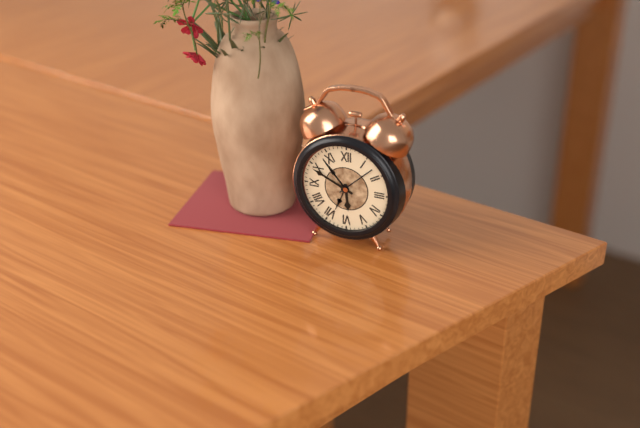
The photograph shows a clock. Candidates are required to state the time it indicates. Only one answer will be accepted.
5:49
